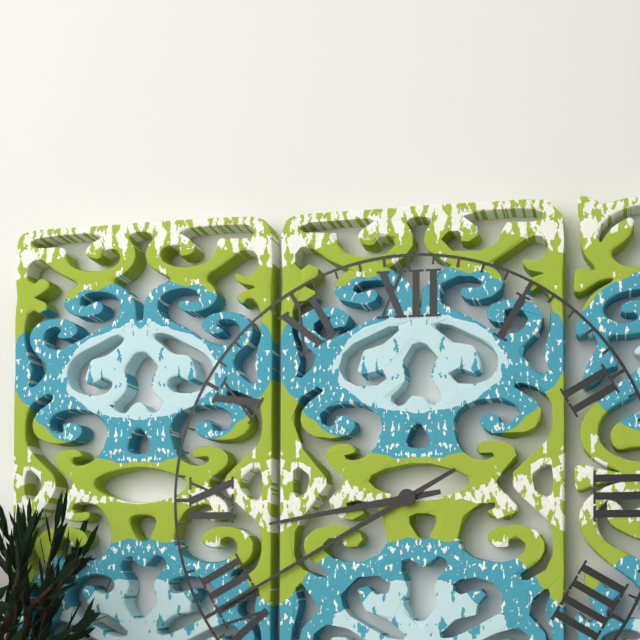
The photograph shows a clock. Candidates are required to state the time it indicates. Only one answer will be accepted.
8:40
